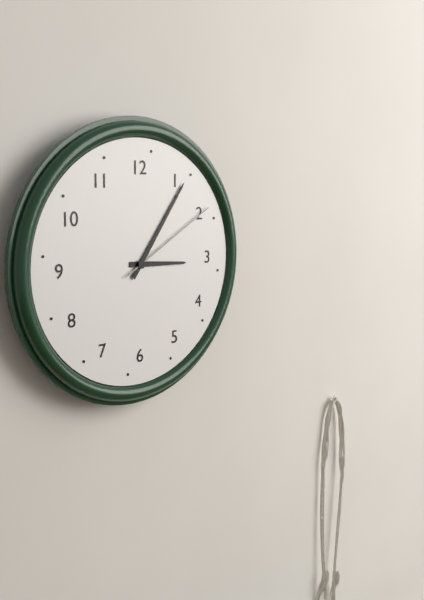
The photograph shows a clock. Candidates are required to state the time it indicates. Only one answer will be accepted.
3:06:10
